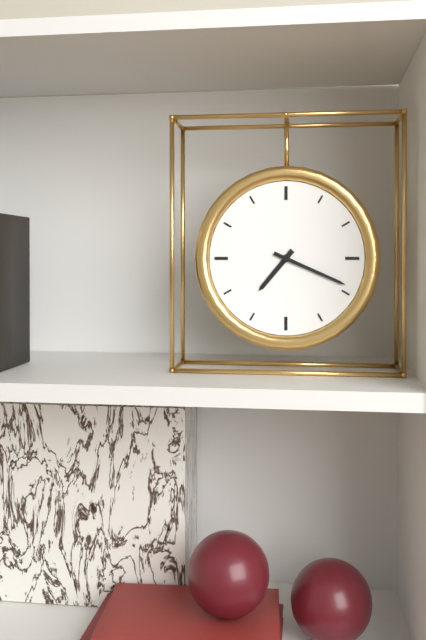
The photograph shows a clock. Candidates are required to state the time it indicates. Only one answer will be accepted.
7:19
